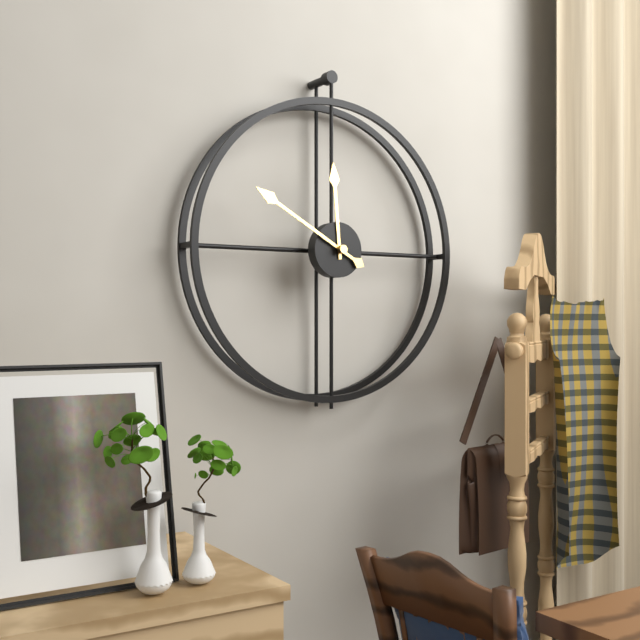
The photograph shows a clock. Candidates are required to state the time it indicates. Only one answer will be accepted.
11:50
